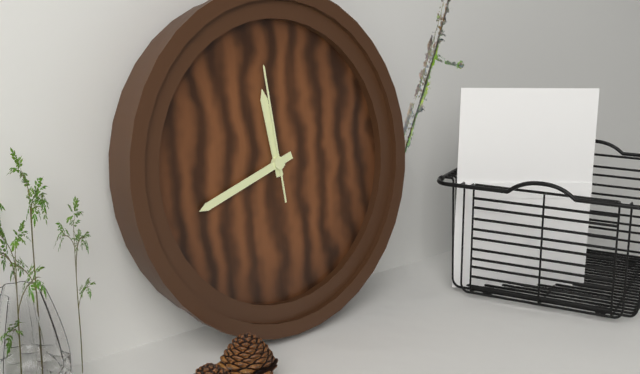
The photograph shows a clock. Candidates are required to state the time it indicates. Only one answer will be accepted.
11:42:59
